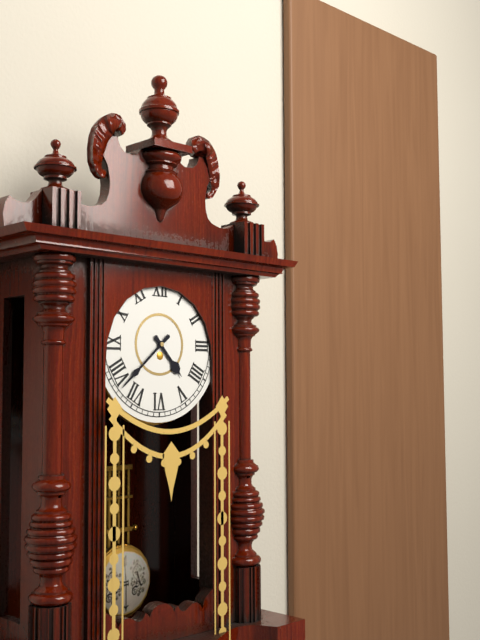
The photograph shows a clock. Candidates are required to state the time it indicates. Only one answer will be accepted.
4:38
